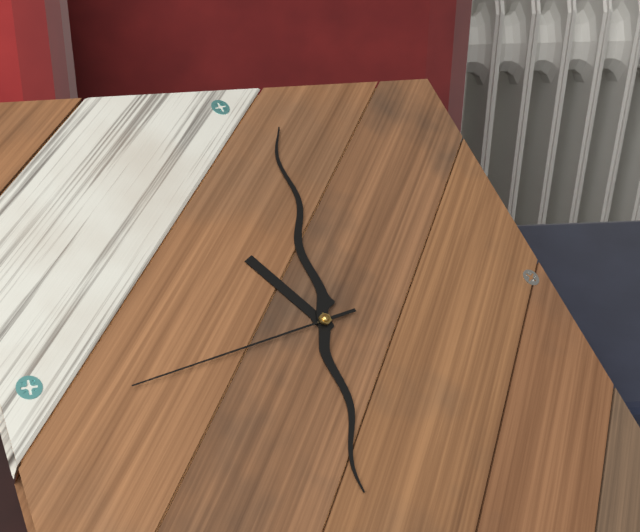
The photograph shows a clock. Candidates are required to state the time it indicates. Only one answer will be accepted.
11:02:44
